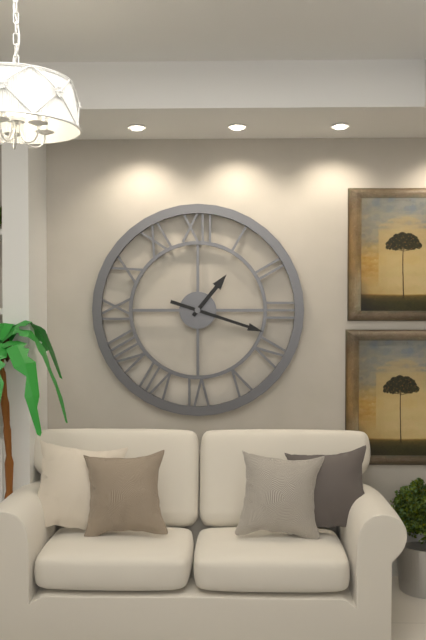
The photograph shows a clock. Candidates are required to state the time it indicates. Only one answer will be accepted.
1:18
